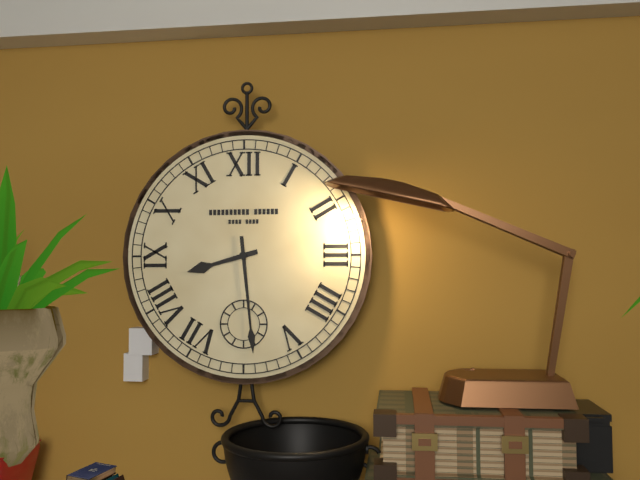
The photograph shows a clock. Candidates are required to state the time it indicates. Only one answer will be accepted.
8:29
